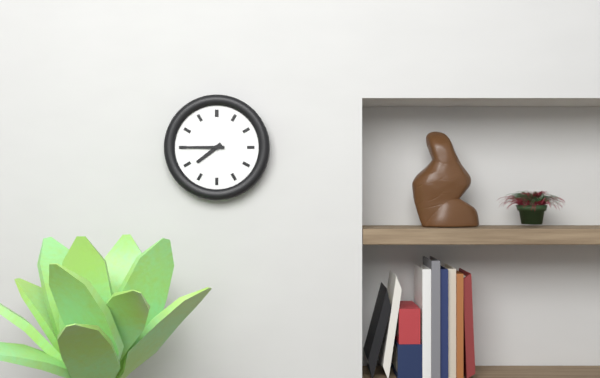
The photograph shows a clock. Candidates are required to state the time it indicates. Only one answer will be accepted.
7:45
